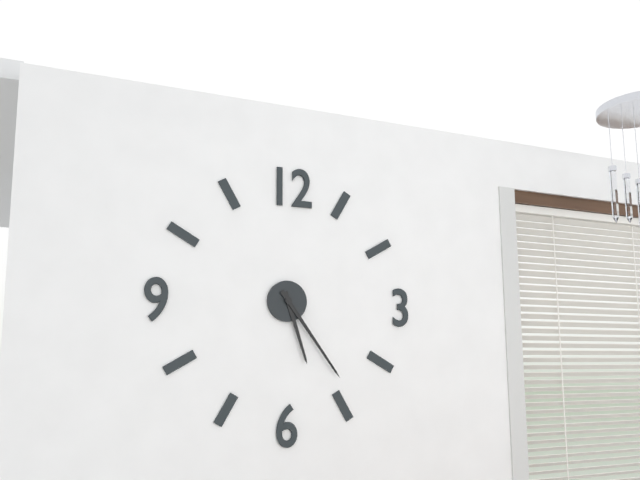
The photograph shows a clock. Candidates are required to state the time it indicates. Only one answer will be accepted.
5:24
